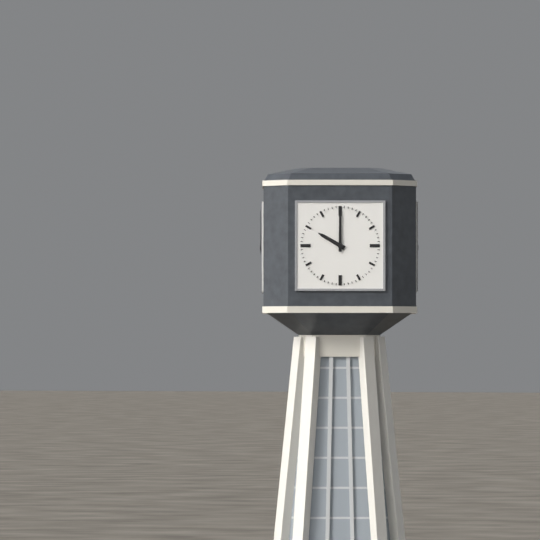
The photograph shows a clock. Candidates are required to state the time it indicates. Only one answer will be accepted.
10:00
